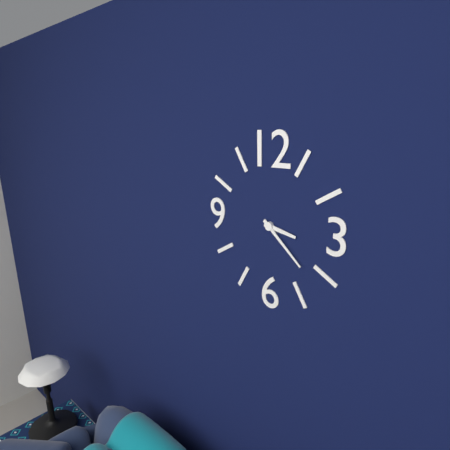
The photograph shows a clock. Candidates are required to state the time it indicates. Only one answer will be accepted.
3:22
